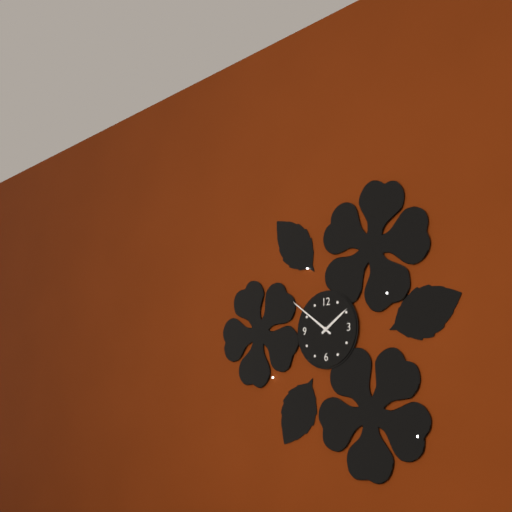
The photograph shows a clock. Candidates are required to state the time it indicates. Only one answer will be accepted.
1:51
